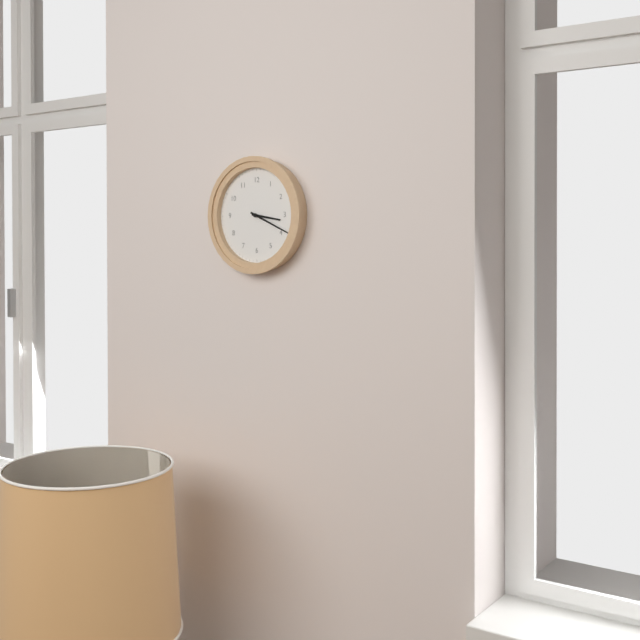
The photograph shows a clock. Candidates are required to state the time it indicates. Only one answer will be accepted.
3:19
